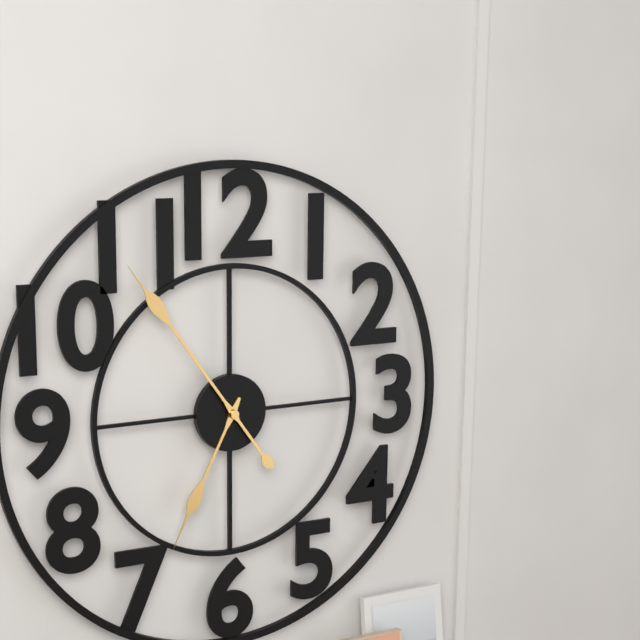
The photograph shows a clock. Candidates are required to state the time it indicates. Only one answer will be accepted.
6:54
